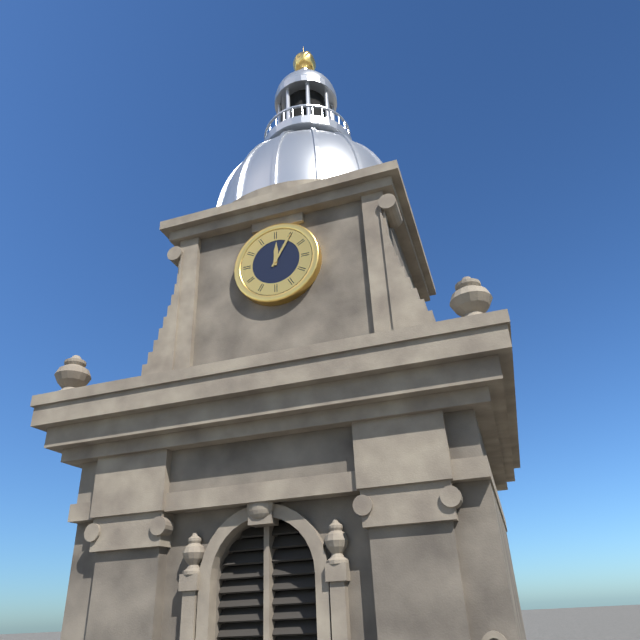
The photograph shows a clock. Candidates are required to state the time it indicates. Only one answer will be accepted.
12:05
